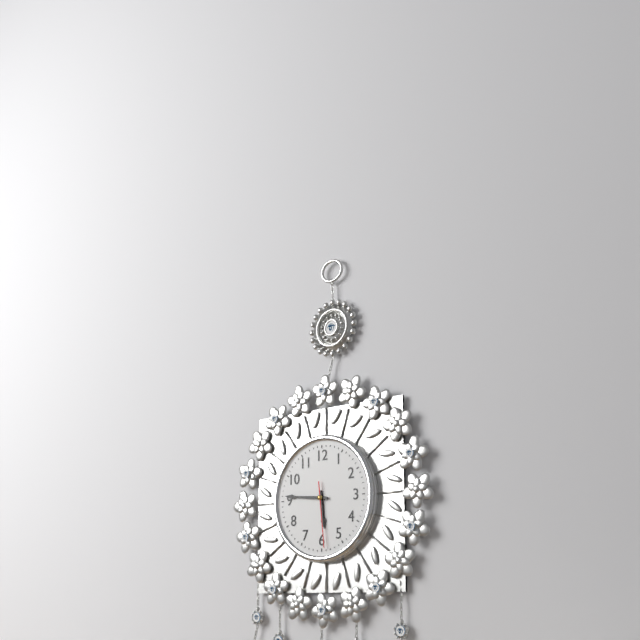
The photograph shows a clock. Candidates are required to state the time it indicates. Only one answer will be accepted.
5:46:29
